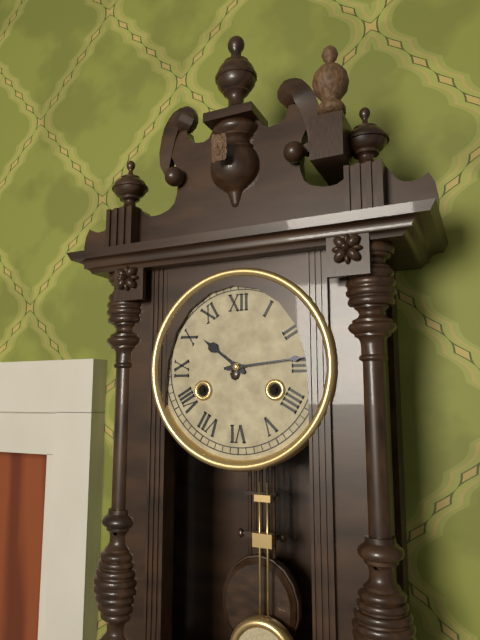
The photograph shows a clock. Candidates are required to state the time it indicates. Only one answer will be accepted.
10:14
